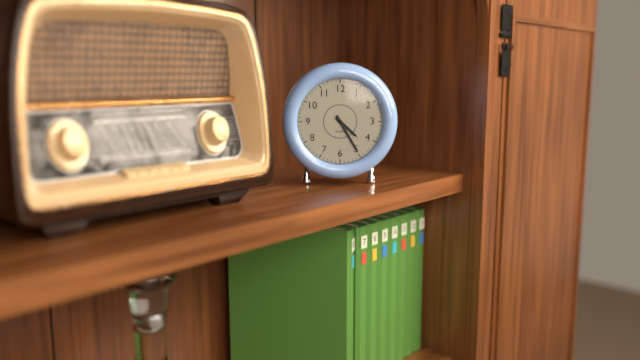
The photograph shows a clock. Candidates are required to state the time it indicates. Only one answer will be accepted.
4:25
